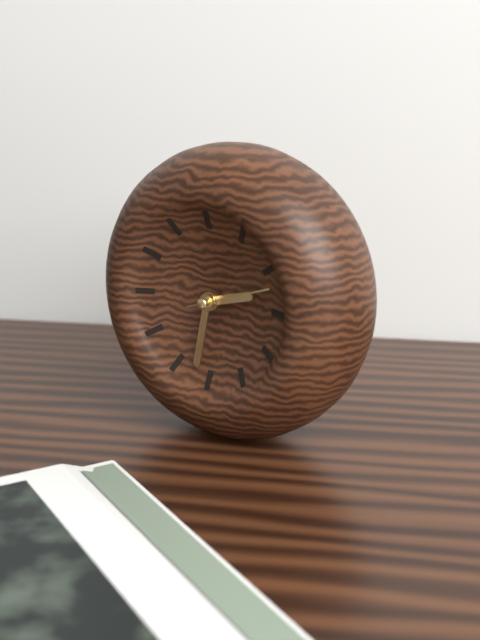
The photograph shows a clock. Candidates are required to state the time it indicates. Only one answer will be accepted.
2:32:12
